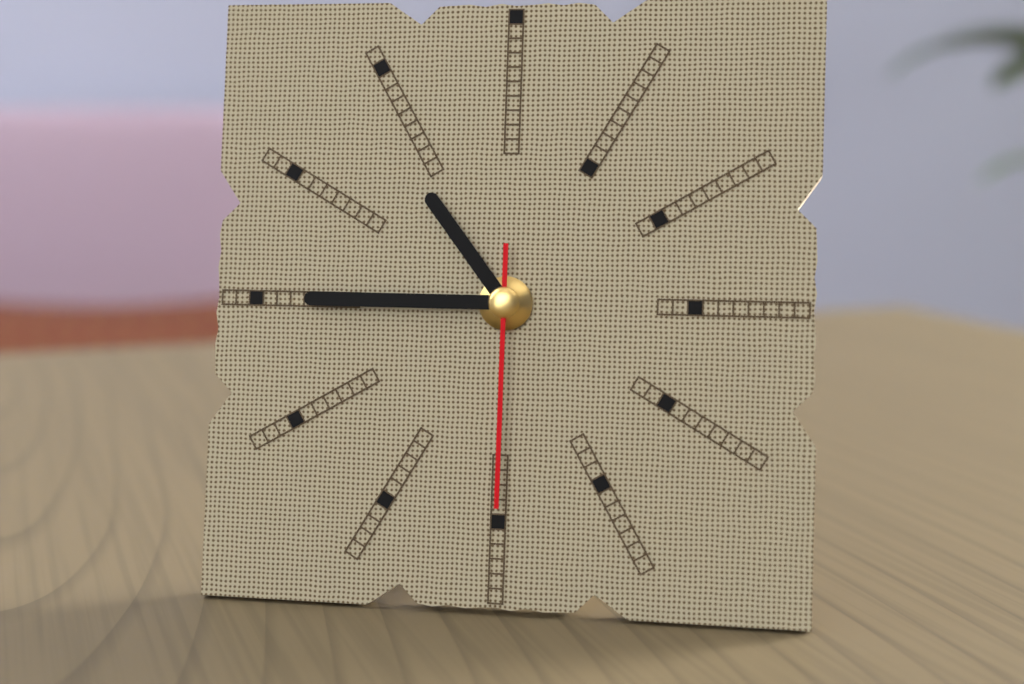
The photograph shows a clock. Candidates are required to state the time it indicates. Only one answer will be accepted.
10:45:30
